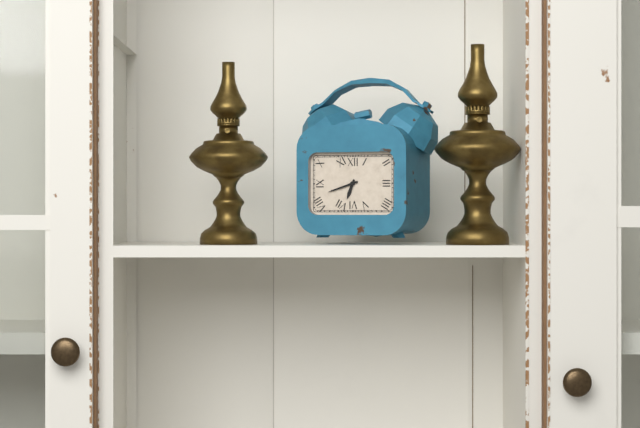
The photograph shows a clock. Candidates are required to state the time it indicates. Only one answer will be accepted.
6:42
